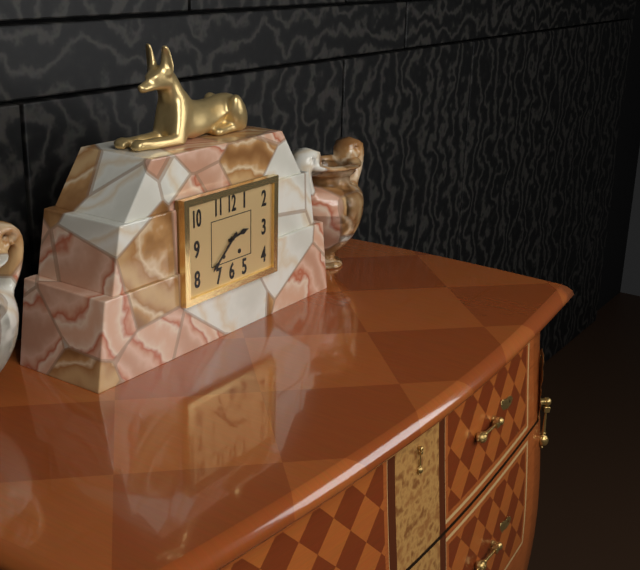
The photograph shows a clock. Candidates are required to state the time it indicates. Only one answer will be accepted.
2:38
